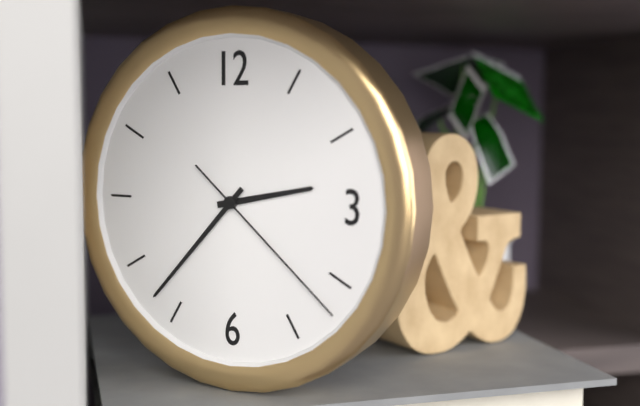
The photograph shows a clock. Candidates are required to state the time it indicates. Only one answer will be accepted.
2:37:22
